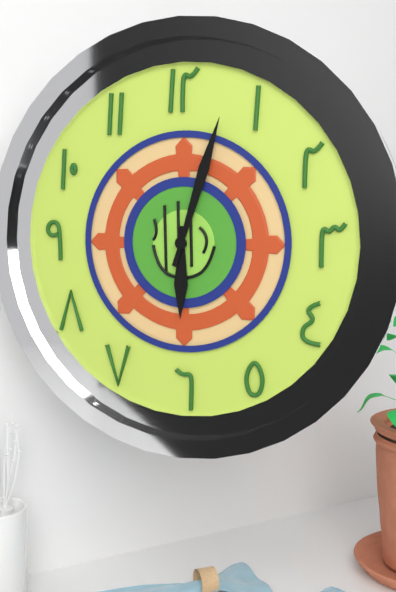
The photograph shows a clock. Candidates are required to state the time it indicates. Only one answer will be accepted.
6:03
